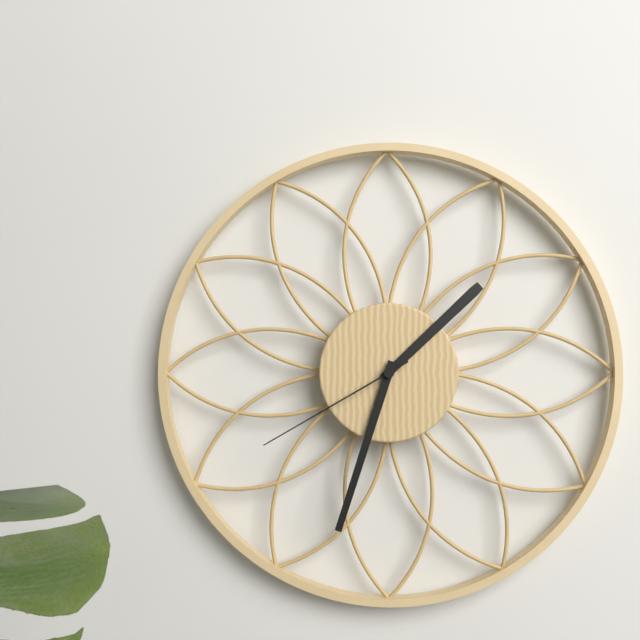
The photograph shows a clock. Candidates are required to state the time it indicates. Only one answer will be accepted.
1:33:40
